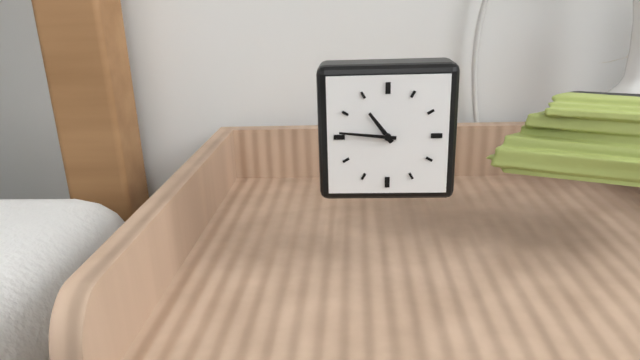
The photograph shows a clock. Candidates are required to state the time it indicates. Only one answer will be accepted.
10:46
